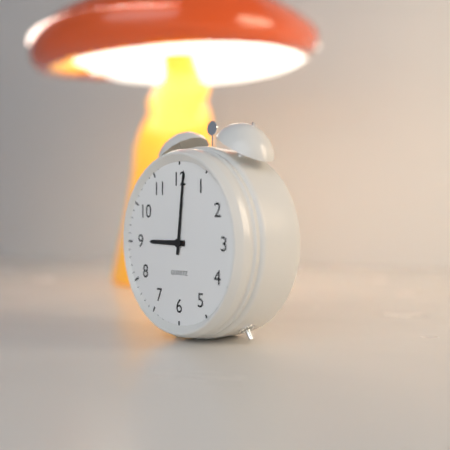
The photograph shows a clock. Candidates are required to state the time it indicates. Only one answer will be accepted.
9:01
